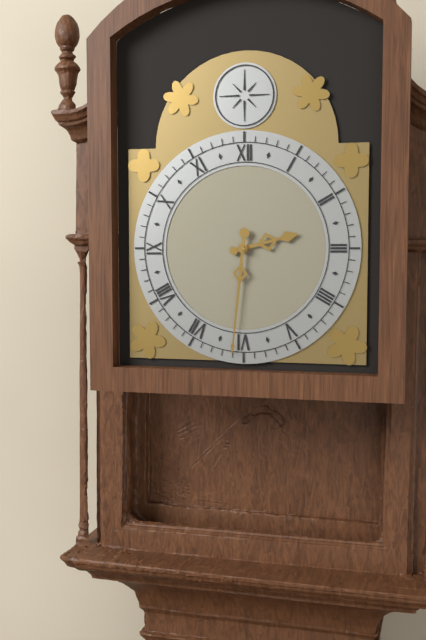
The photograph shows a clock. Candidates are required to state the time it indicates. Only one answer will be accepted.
2:31
